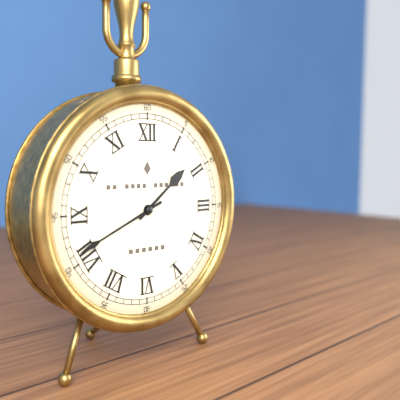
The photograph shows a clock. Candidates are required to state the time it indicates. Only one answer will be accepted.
1:41
